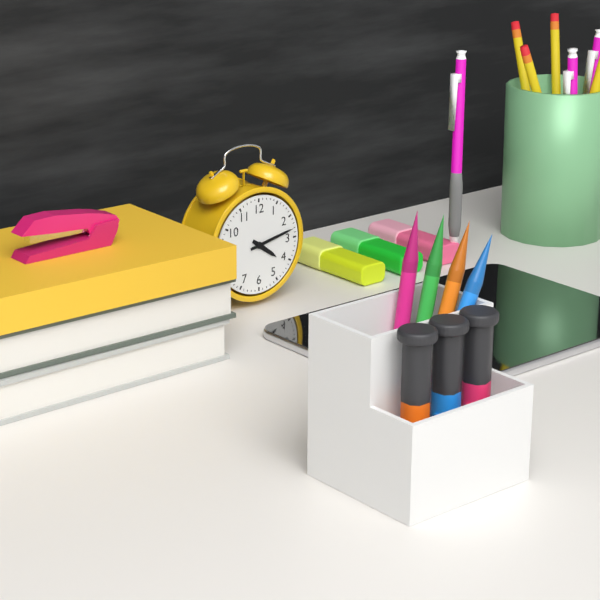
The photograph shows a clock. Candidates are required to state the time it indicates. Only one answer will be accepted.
4:13
